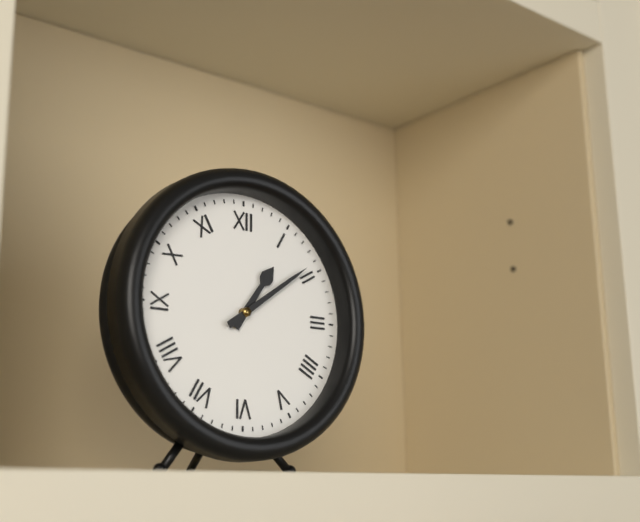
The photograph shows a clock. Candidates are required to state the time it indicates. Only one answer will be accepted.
1:09
